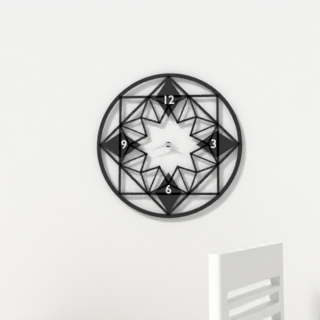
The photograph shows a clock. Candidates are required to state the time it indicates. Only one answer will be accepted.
3:42
